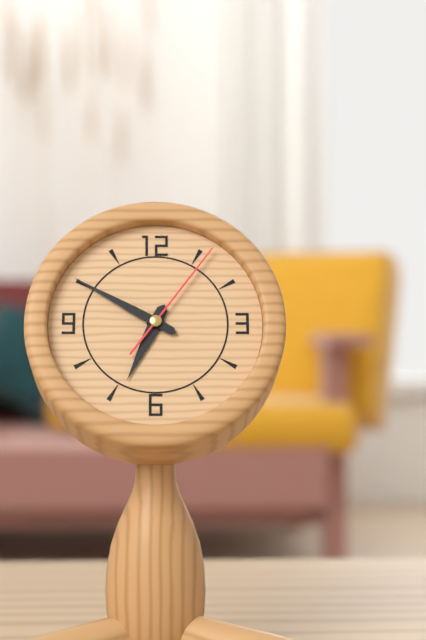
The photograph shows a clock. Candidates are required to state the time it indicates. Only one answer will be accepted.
6:50:06
